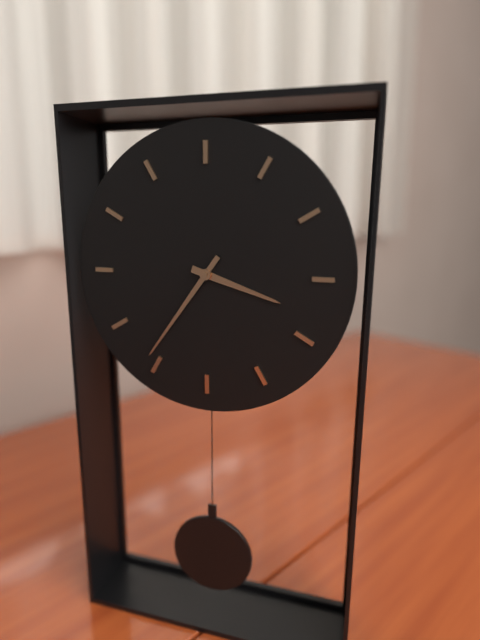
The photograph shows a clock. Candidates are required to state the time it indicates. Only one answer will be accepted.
3:36
